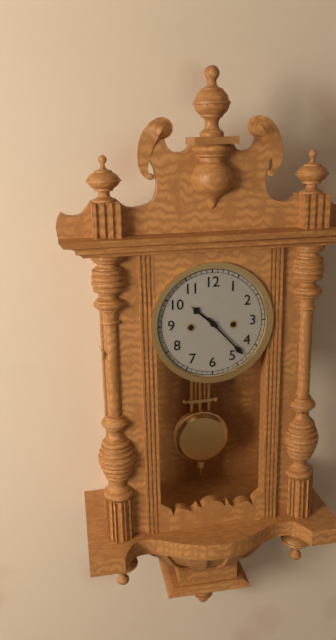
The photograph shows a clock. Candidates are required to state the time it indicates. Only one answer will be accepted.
10:23
